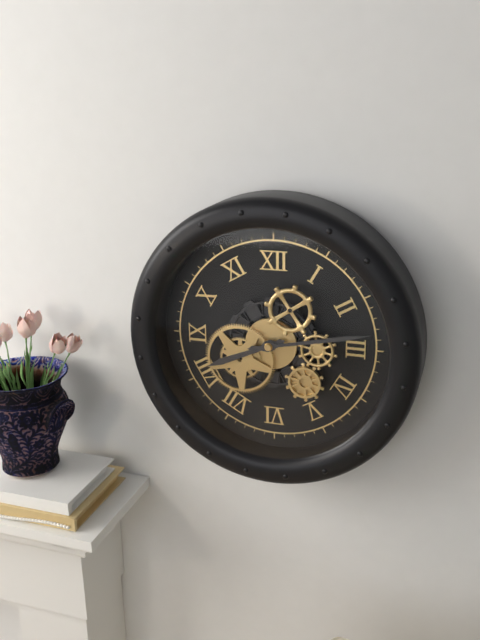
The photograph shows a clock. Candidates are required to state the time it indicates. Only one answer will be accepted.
8:13
